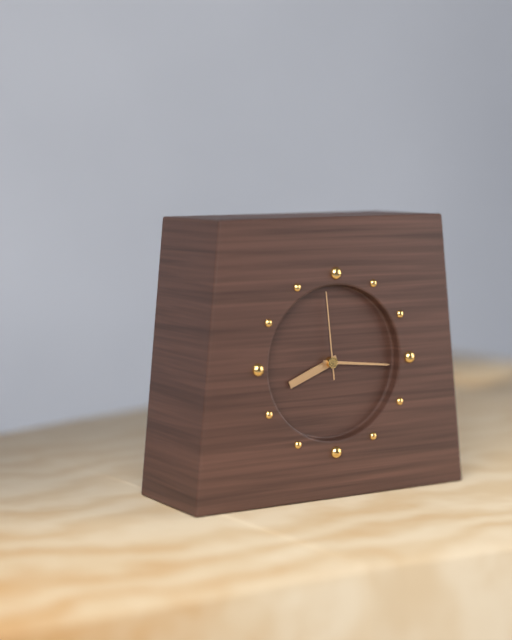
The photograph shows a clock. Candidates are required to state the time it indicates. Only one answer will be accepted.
8:16:59
